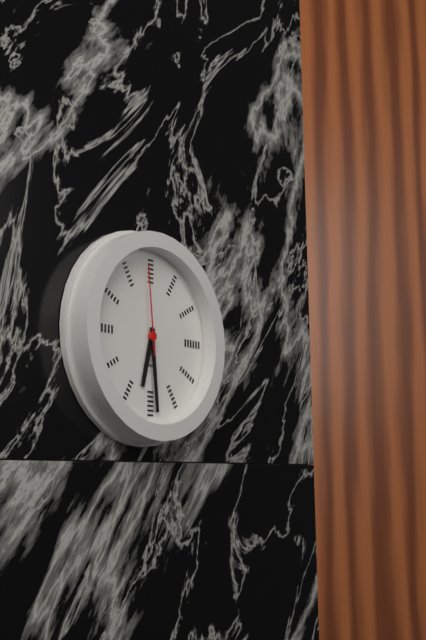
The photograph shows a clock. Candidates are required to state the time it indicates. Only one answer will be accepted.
6:29:59
